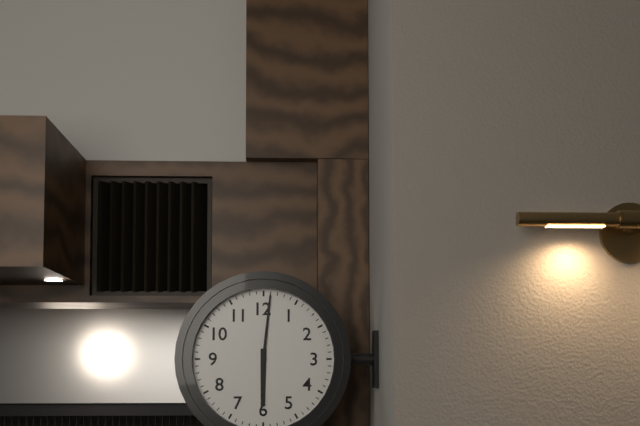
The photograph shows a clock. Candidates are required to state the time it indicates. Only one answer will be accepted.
6:01
